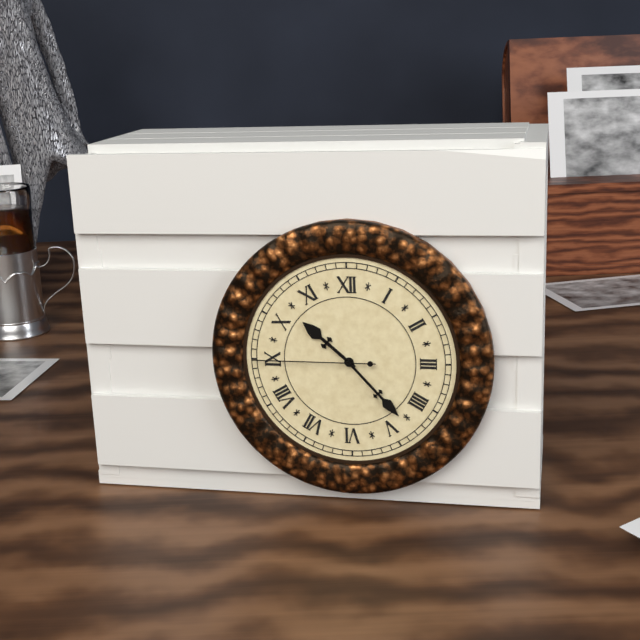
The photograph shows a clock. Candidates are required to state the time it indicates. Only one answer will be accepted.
10:23:45
